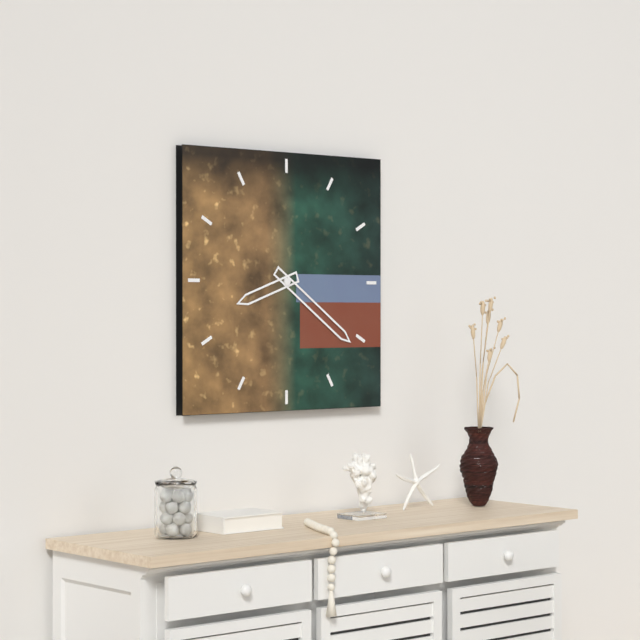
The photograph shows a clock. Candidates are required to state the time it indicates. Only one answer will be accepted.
8:21
